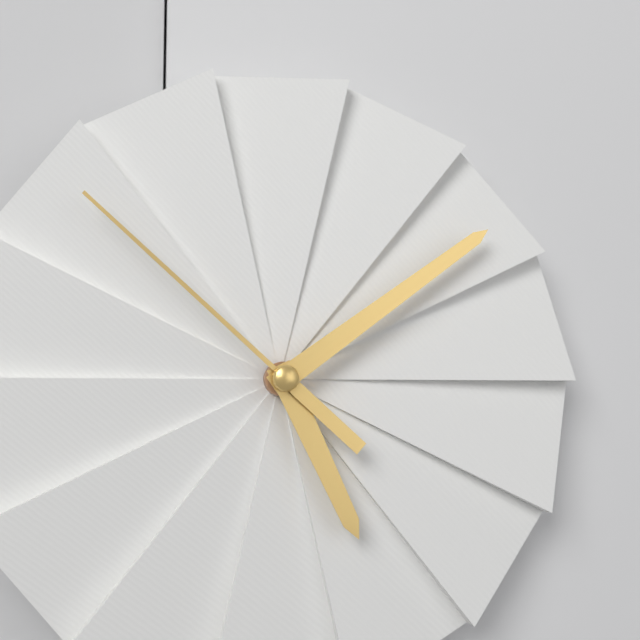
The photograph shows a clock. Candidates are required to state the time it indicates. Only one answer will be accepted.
5:09:52
